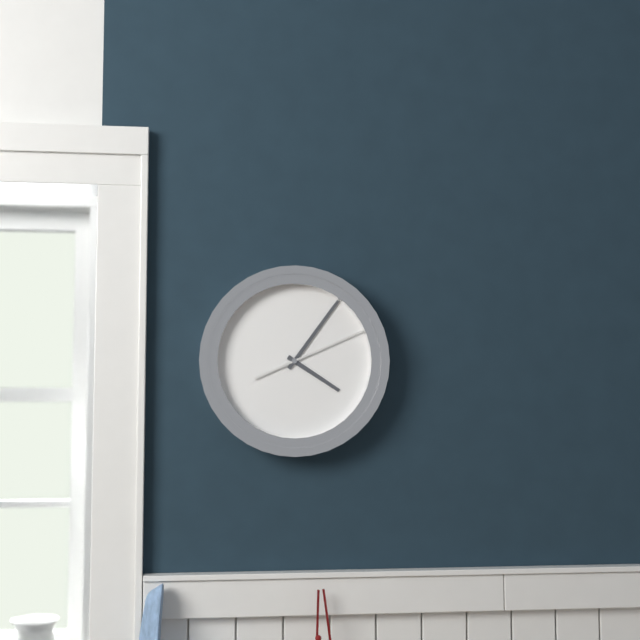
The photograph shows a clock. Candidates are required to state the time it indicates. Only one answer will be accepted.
4:06:11
